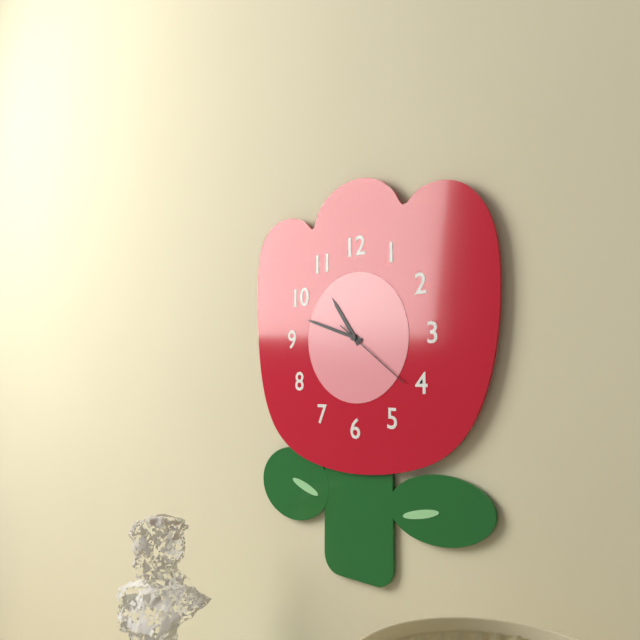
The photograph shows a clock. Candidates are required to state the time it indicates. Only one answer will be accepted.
10:48:21
